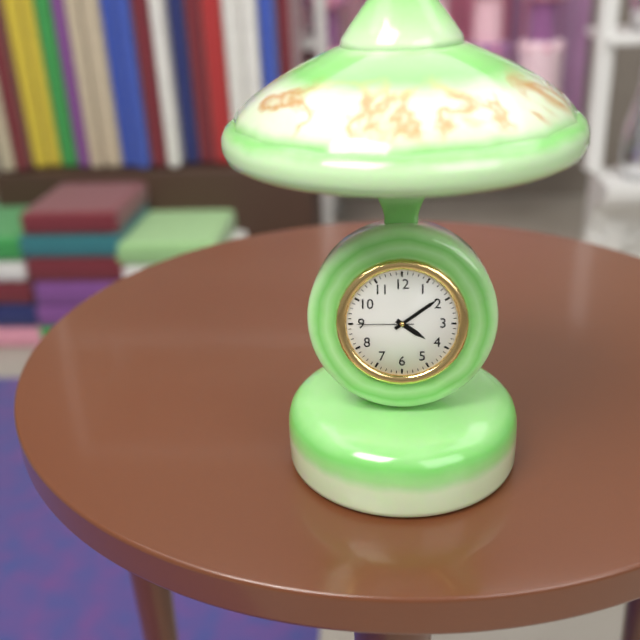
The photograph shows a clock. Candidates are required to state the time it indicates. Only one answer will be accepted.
4:09:45
